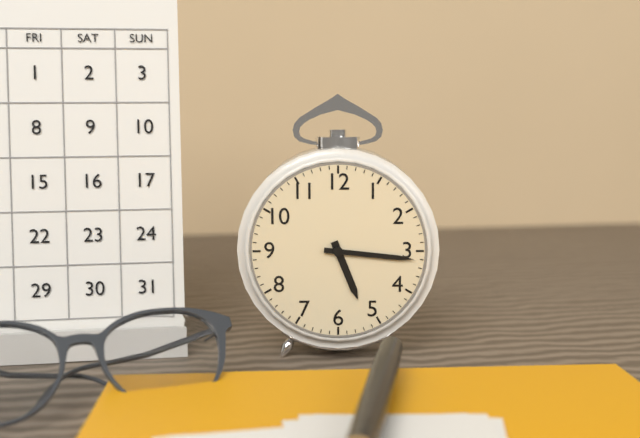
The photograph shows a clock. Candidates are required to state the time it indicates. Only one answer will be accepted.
5:16
